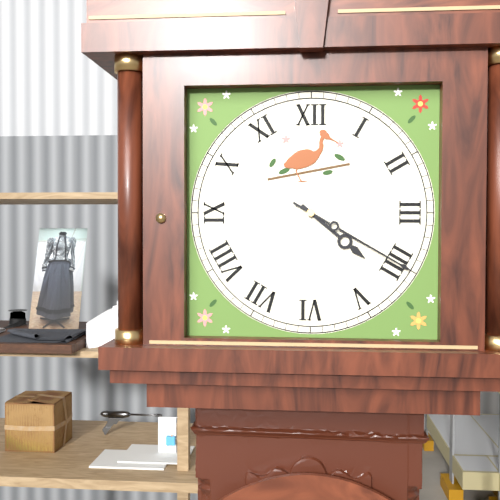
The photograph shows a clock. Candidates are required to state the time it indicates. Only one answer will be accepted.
4:20
